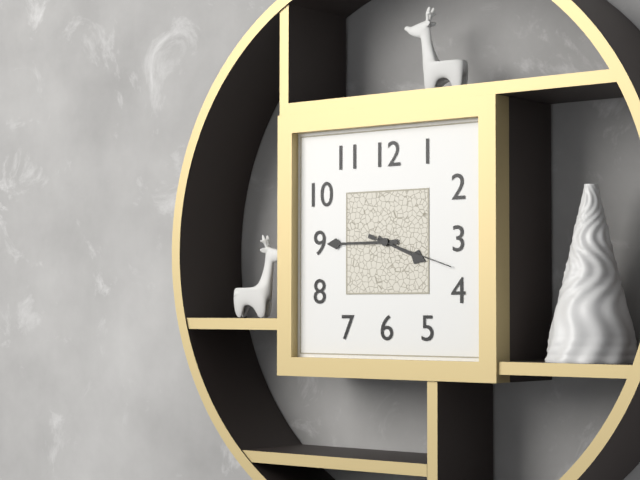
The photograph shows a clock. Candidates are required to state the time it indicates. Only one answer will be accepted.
3:45:18
